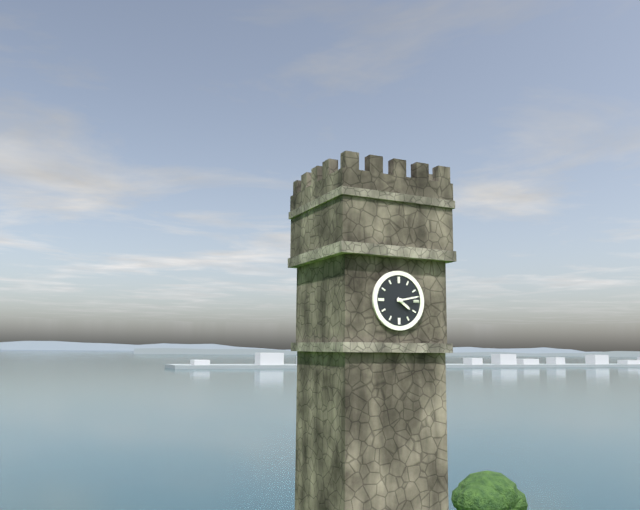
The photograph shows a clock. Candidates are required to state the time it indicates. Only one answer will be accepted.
4:13
